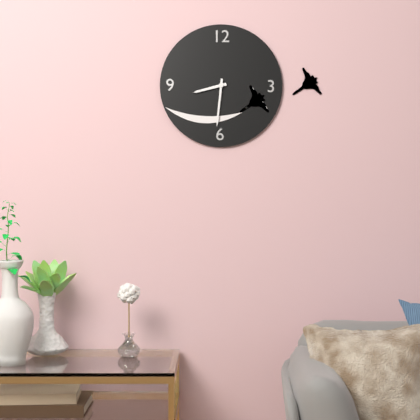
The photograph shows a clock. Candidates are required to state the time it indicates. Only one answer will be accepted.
8:31
